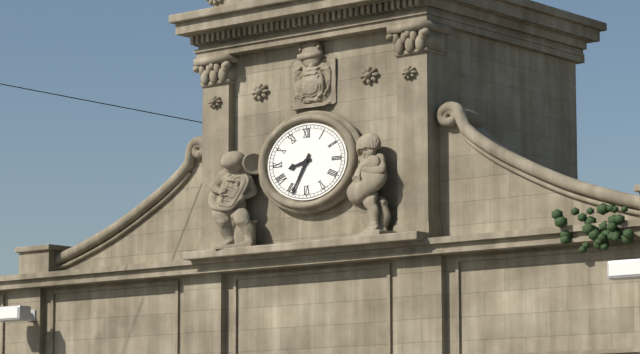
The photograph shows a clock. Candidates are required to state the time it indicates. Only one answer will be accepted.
8:35
